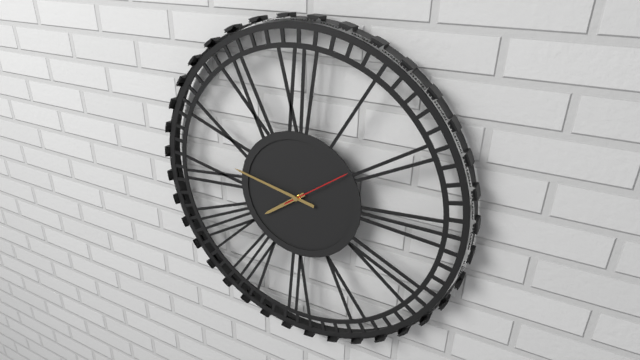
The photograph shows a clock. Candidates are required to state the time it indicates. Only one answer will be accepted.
7:47:09
